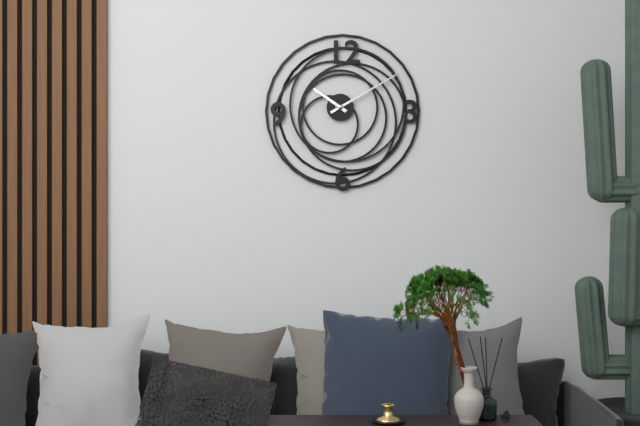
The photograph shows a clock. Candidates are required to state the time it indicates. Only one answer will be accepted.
10:10
